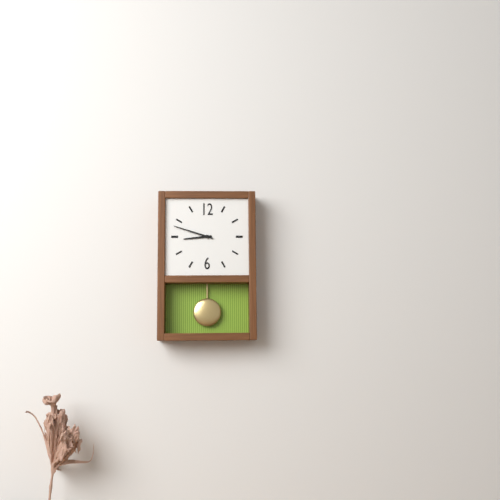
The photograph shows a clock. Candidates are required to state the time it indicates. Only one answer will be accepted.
8:48
